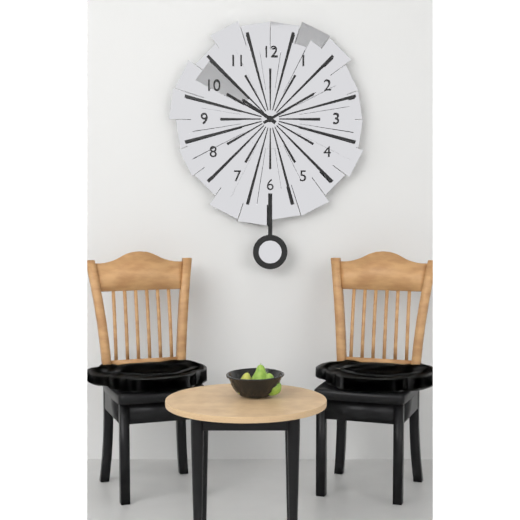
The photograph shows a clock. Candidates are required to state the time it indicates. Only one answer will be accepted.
10:10
